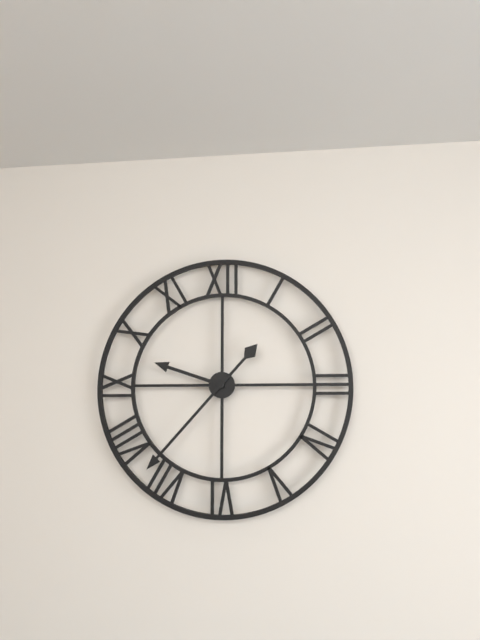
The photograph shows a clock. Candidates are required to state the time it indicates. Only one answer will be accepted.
9:37
